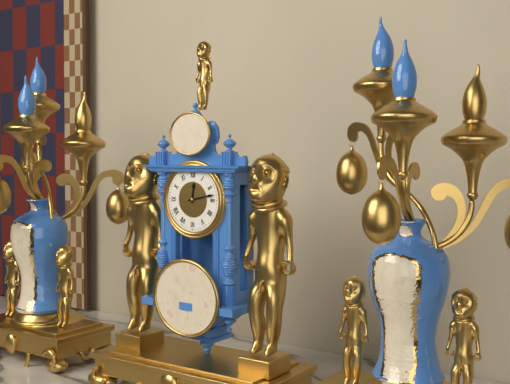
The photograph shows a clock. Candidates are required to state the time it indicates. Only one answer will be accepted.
12:13
